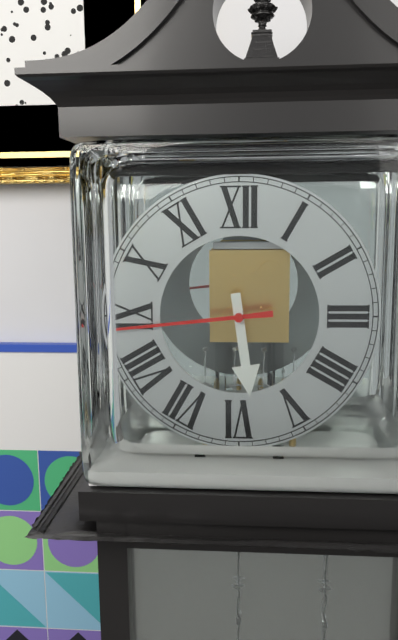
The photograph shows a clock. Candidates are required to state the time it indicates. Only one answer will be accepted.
5:44
